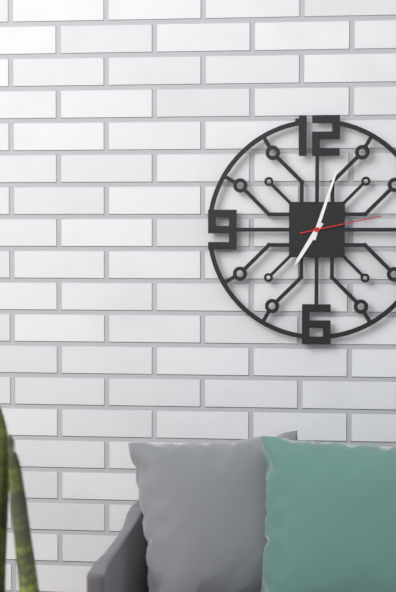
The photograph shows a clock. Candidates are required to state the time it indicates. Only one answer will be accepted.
7:03:13
